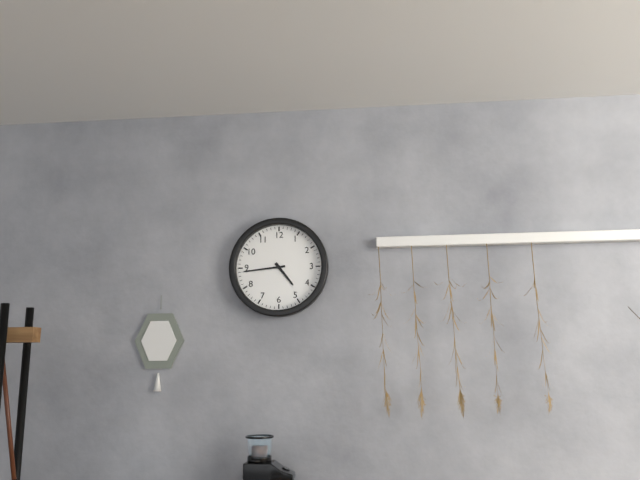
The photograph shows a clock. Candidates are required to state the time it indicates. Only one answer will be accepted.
4:44
